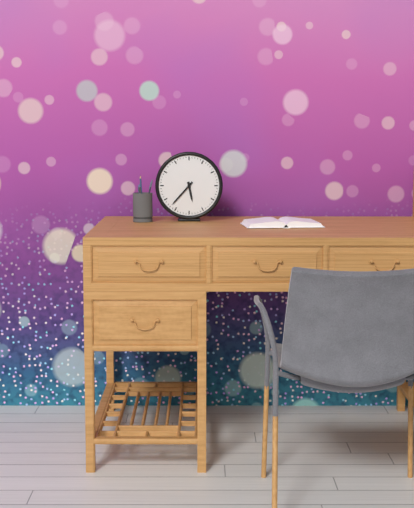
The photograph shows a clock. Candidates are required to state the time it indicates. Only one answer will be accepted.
5:37
